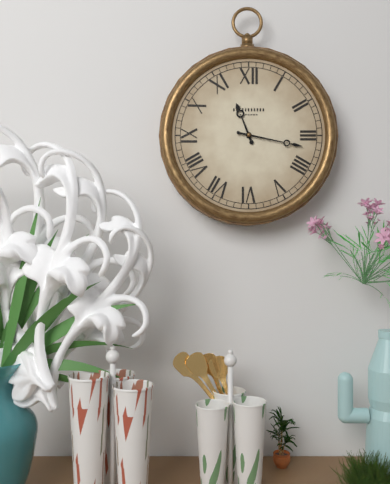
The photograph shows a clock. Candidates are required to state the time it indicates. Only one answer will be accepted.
11:17
